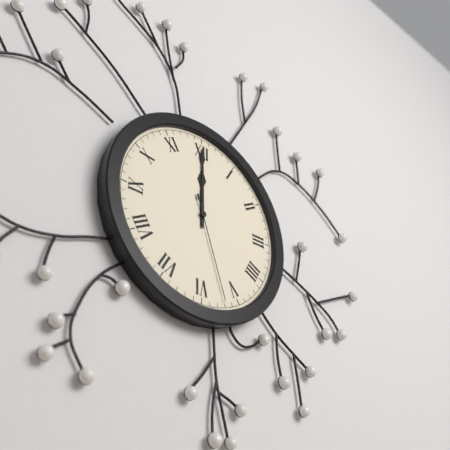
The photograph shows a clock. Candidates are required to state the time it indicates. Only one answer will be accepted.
12:00:27
